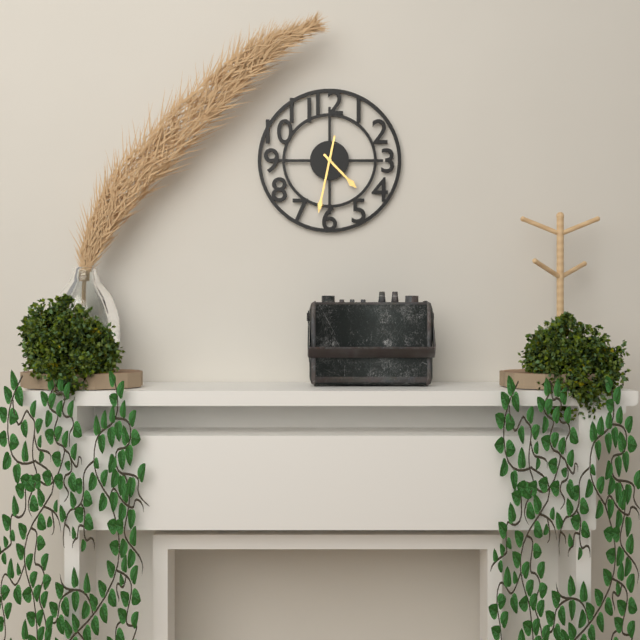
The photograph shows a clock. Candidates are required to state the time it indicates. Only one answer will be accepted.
4:32
